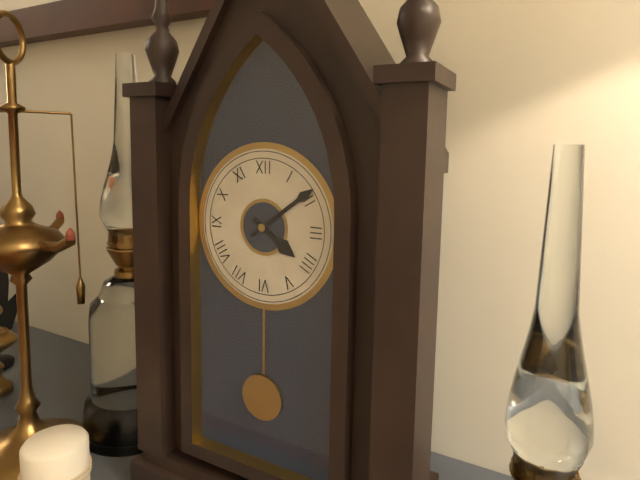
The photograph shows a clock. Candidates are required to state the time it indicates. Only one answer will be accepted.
4:09
